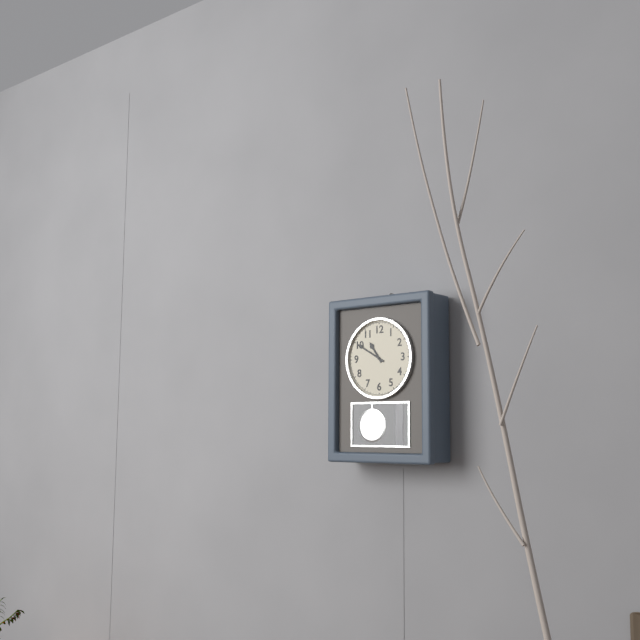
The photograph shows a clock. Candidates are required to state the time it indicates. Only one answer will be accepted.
10:50
